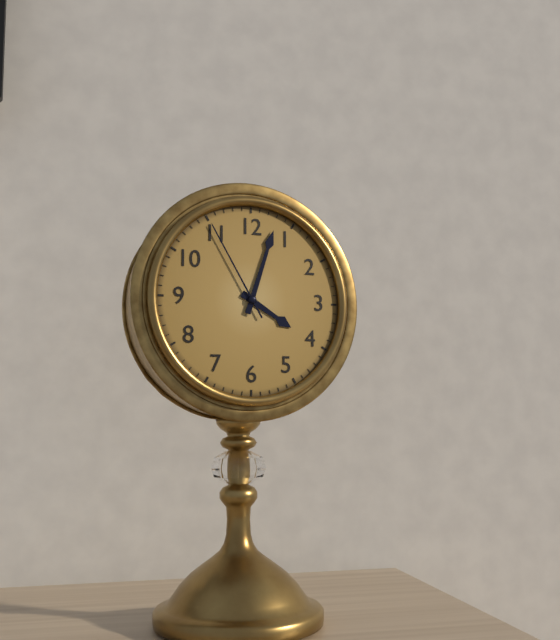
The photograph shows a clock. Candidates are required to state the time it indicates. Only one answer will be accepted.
4:03:55
